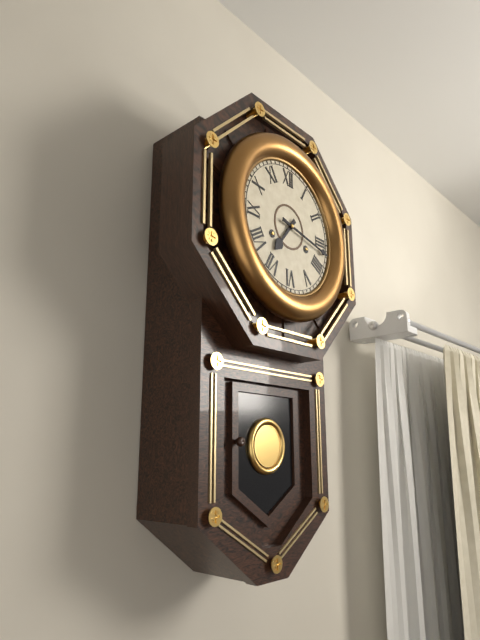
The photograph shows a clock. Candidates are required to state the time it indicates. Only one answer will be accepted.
7:17
